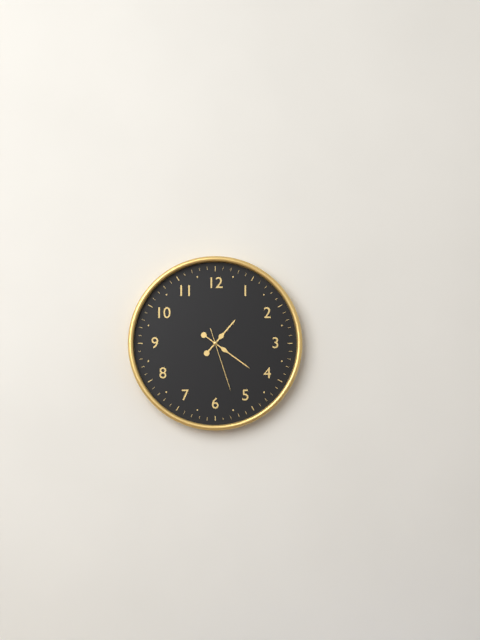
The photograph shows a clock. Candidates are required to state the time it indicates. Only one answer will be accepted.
1:21:27
